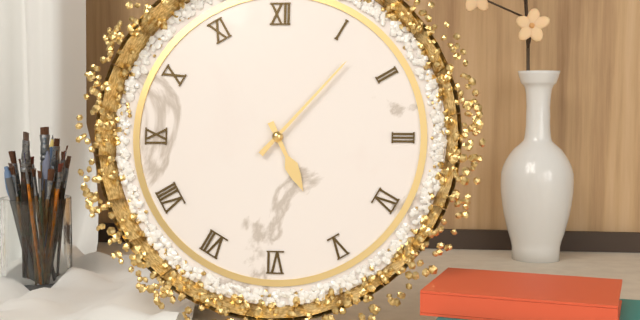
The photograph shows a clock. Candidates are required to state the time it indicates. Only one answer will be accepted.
5:07
